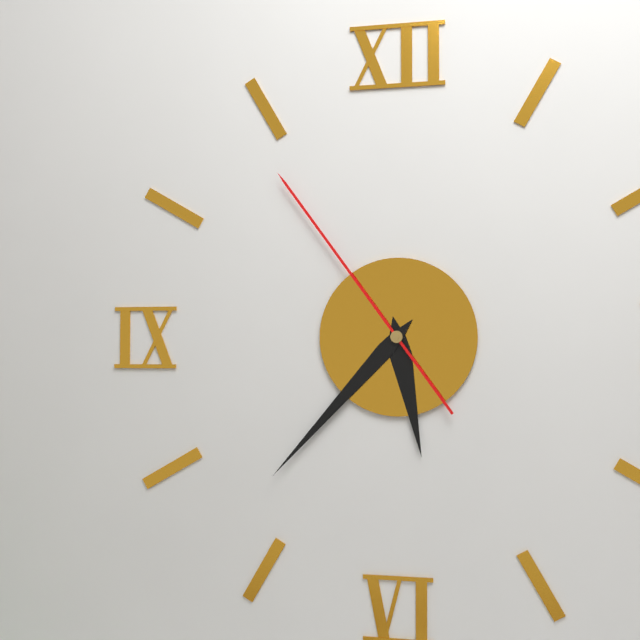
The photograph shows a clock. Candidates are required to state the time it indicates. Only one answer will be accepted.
5:37:54
